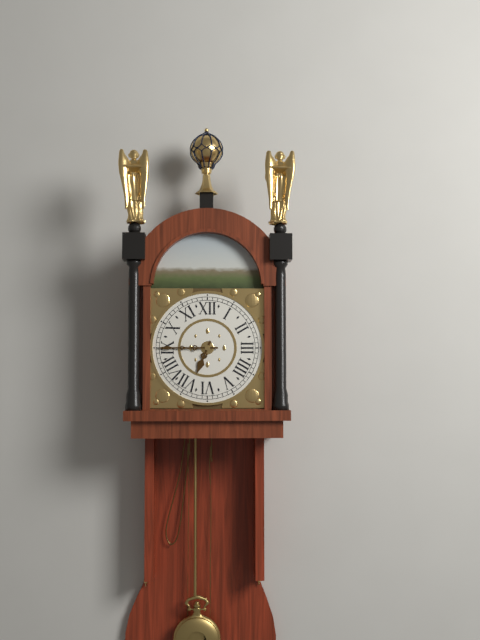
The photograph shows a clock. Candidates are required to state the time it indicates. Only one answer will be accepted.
6:45
